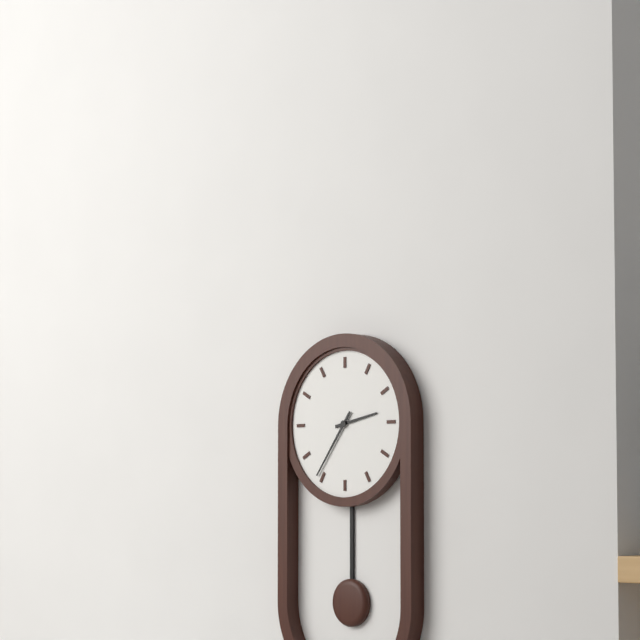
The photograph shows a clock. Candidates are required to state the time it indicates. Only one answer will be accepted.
2:36
